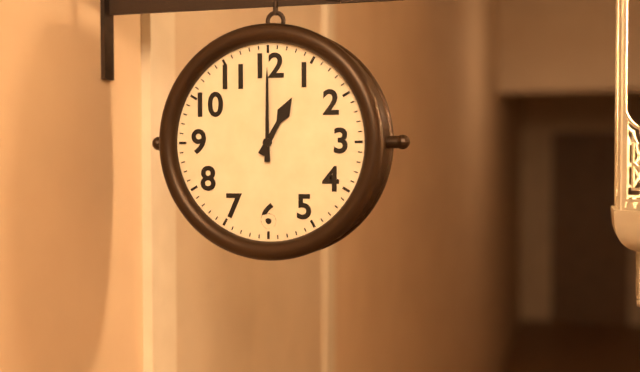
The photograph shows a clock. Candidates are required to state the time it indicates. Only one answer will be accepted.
1:00
